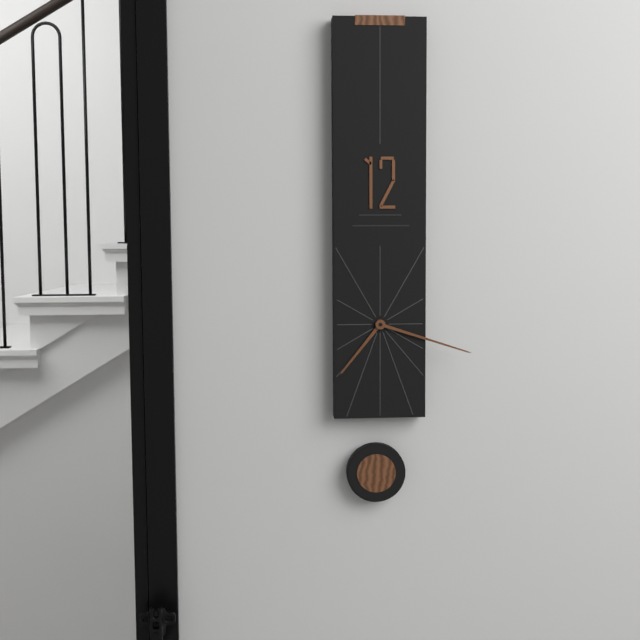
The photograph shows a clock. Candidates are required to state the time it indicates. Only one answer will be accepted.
7:18
